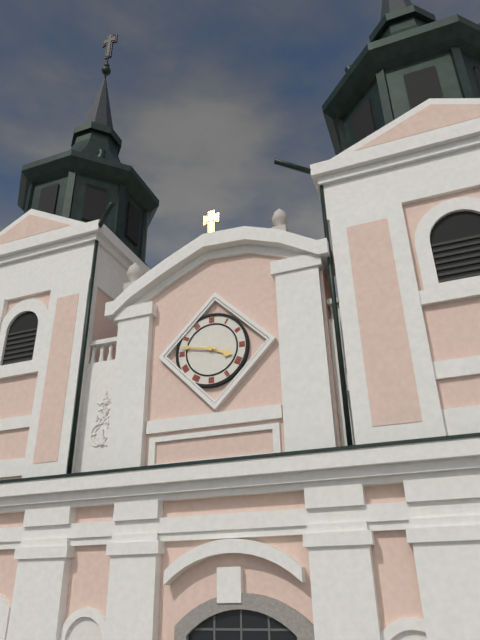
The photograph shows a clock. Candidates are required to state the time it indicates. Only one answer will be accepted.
3:47
